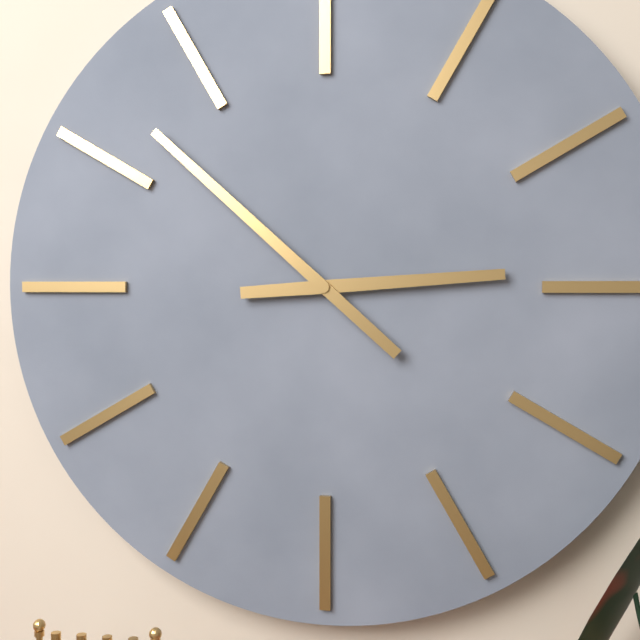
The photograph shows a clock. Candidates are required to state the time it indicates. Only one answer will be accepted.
2:52
